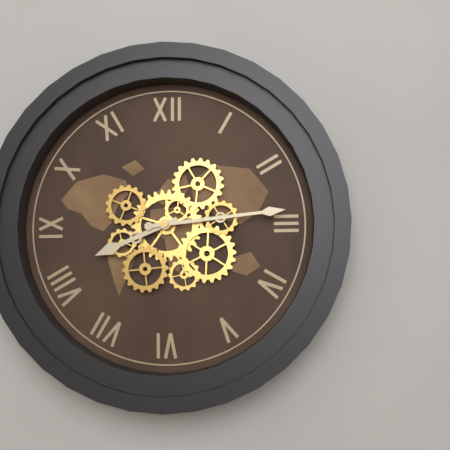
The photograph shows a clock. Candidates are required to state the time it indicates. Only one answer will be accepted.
8:14
